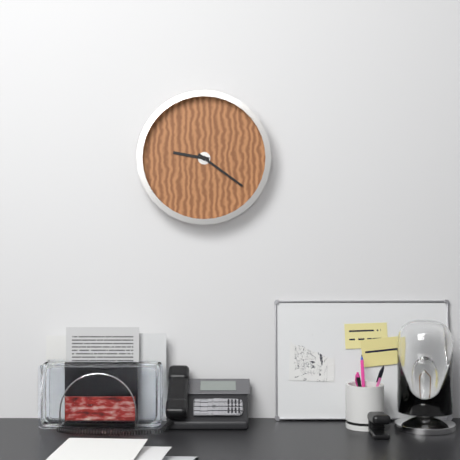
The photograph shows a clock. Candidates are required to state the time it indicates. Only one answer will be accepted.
9:21
